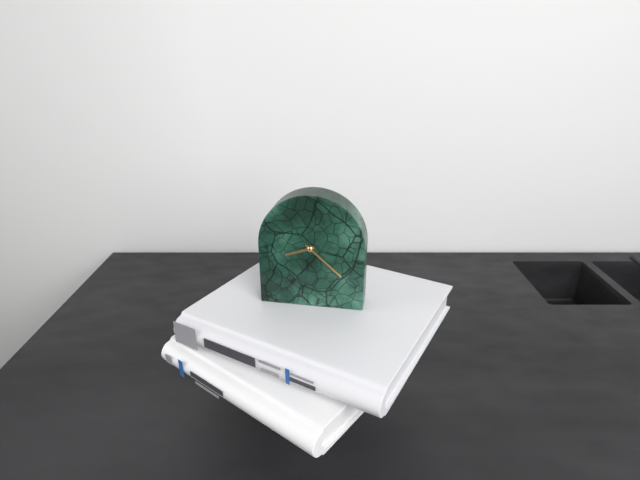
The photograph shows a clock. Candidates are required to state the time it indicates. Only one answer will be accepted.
8:22
